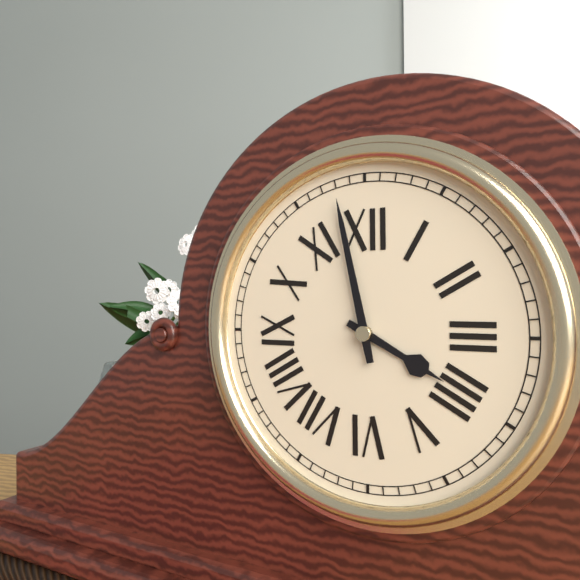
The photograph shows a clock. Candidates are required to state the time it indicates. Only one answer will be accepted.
3:58
